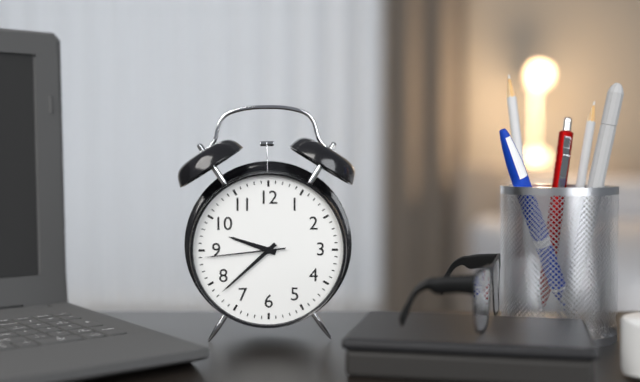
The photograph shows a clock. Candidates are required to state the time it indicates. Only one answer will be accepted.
9:38:44
